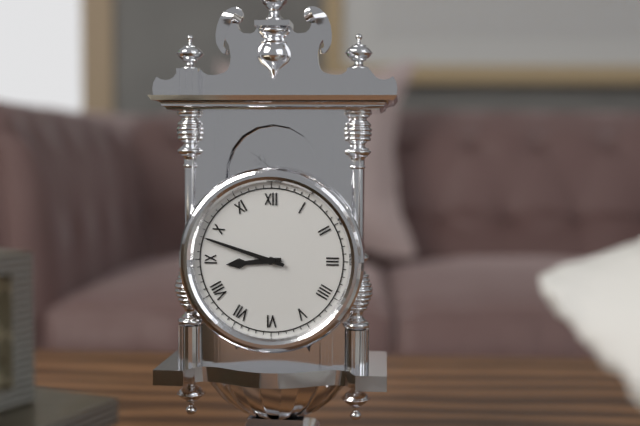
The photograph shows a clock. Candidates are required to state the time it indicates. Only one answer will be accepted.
8:48
